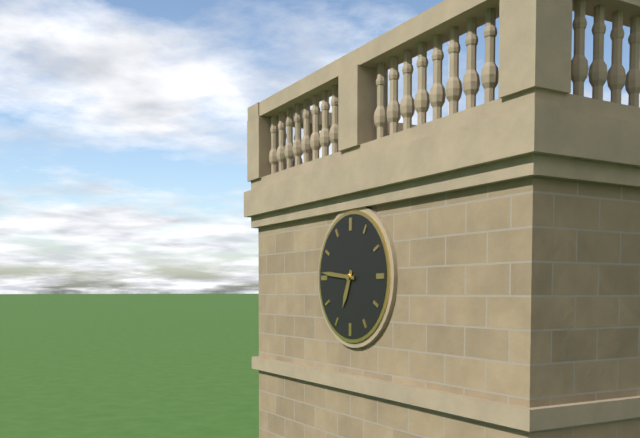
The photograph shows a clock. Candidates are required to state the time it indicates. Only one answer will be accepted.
6:46
